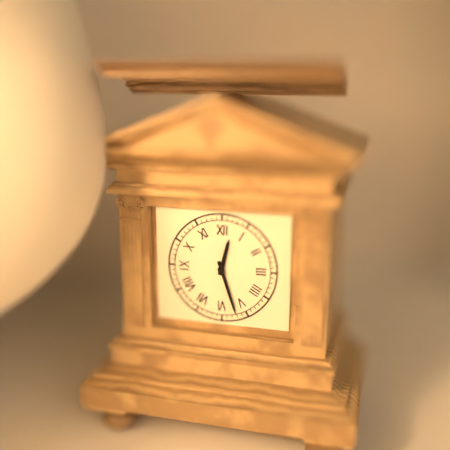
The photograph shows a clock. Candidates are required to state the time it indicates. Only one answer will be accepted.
12:27
